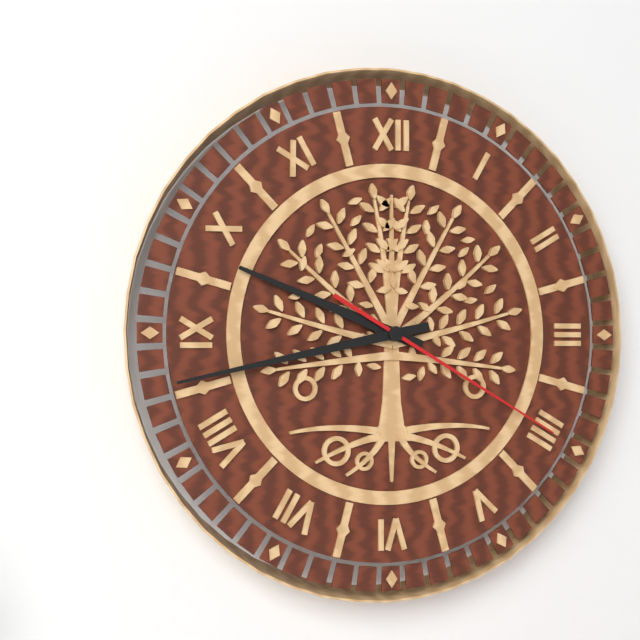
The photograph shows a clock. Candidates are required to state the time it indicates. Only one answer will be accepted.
9:43:20
